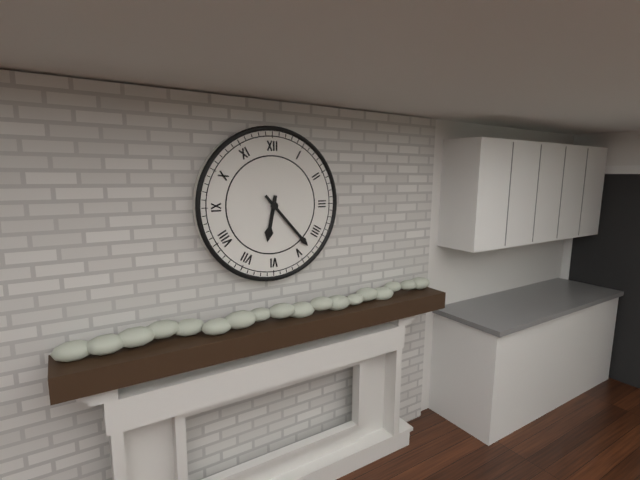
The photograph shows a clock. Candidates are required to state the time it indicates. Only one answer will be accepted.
6:23
